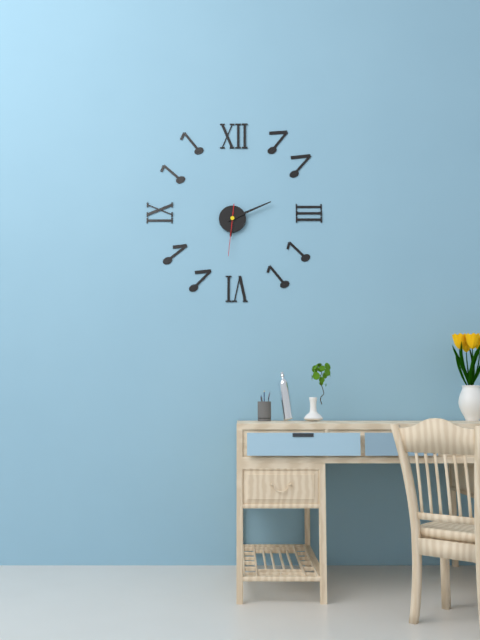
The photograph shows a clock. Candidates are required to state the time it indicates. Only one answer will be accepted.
6:11
